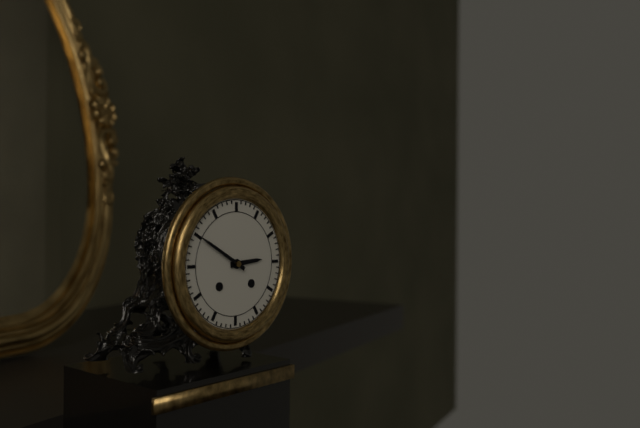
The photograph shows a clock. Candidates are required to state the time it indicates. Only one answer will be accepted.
2:50
